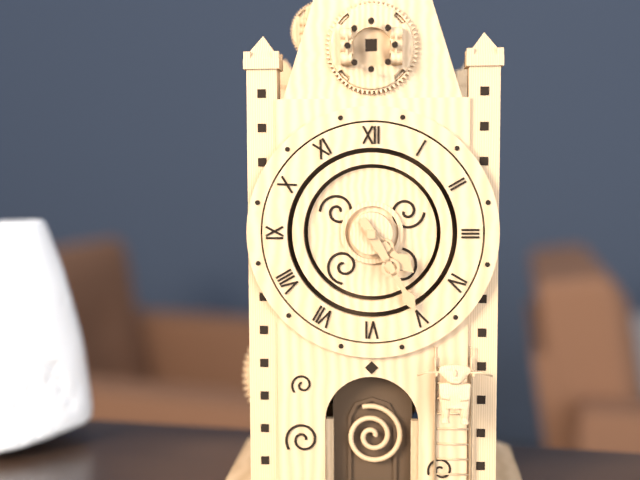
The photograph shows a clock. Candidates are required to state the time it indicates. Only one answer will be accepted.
4:25
